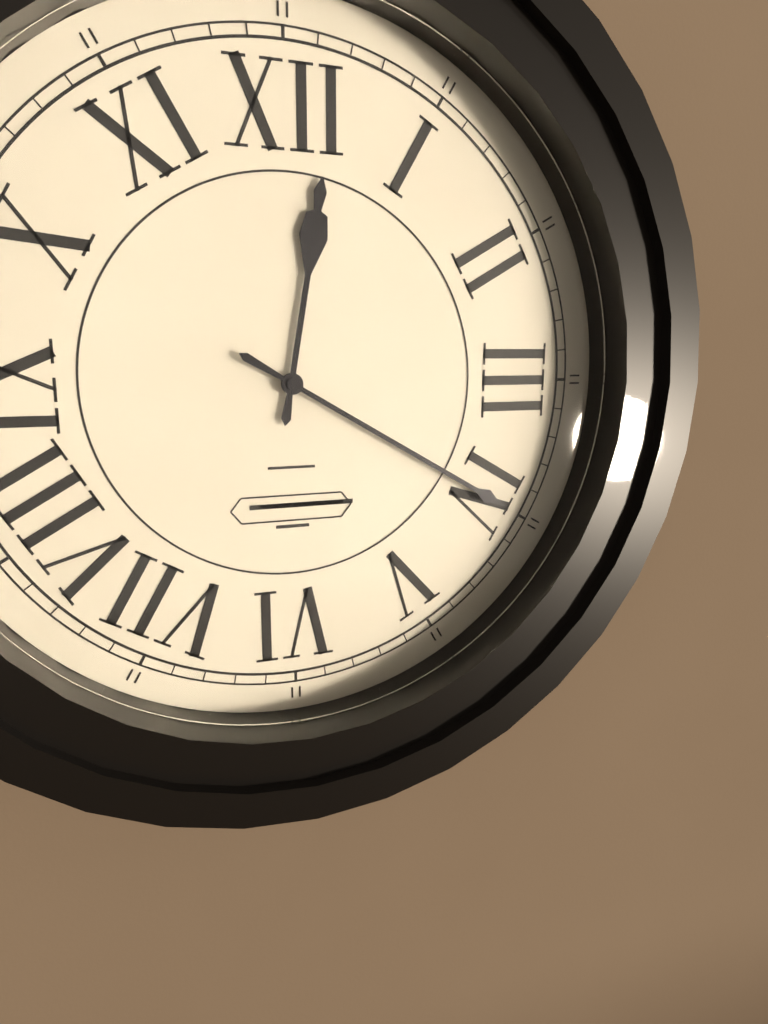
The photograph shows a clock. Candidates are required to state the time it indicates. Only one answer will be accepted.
12:20
